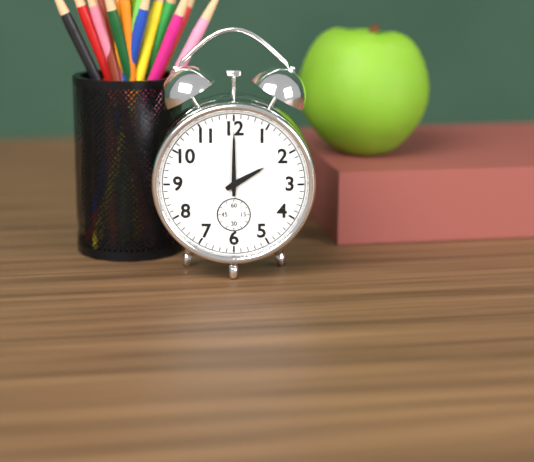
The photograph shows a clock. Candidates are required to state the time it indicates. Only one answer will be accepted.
2:00
